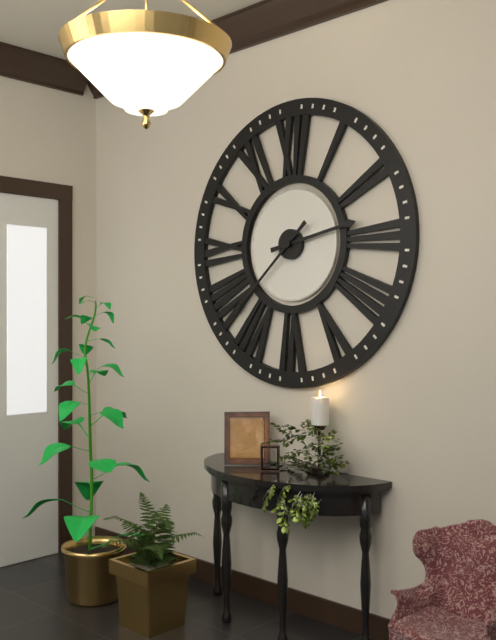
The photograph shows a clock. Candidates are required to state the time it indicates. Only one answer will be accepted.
2:38
